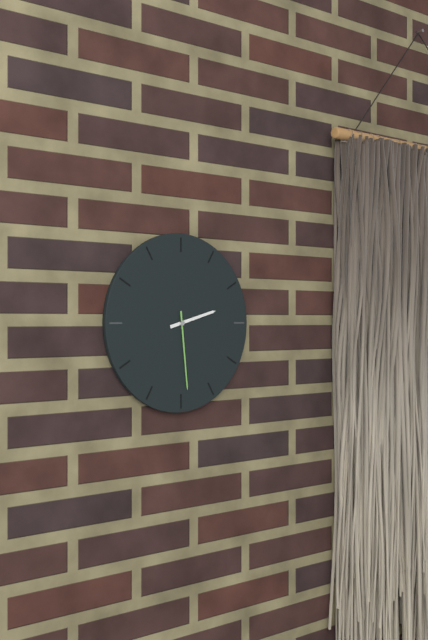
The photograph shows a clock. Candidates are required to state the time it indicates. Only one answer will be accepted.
2:29
